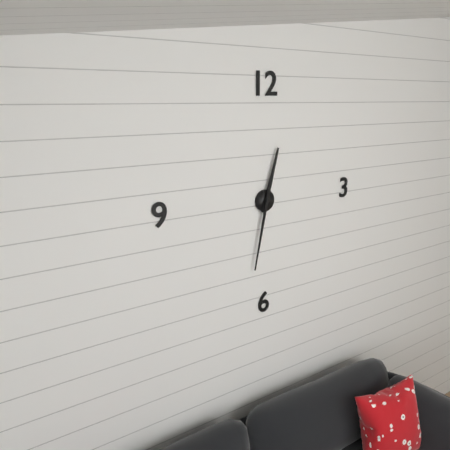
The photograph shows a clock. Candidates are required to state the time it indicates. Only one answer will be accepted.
12:32
